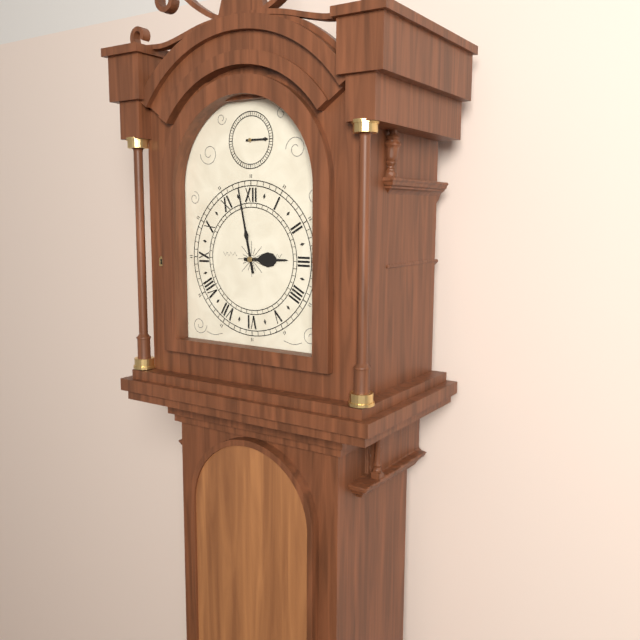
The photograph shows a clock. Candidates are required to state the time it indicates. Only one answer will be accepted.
2:58
